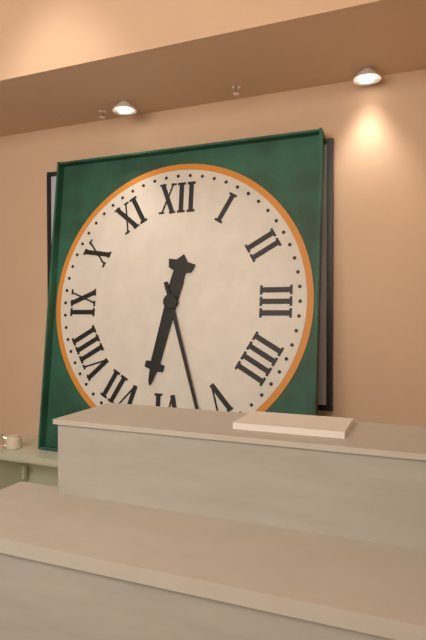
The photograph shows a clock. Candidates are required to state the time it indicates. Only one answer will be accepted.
6:27
